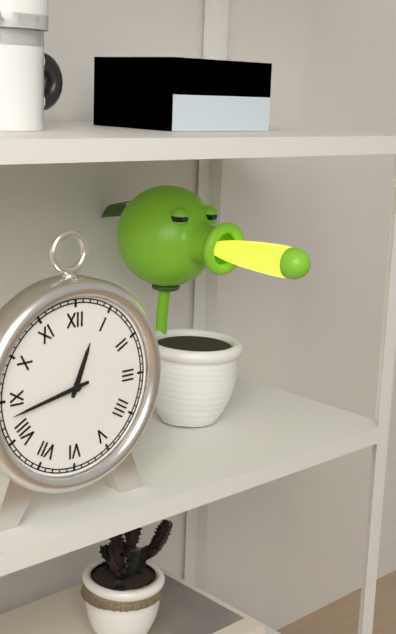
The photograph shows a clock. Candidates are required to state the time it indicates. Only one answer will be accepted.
12:43
